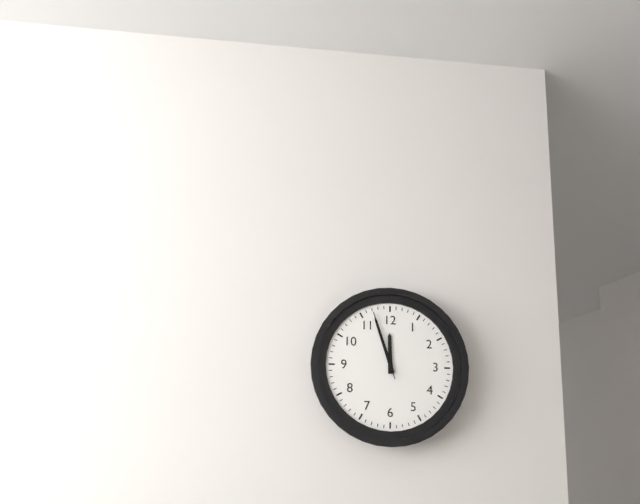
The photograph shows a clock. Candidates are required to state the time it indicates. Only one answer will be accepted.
11:57:57
